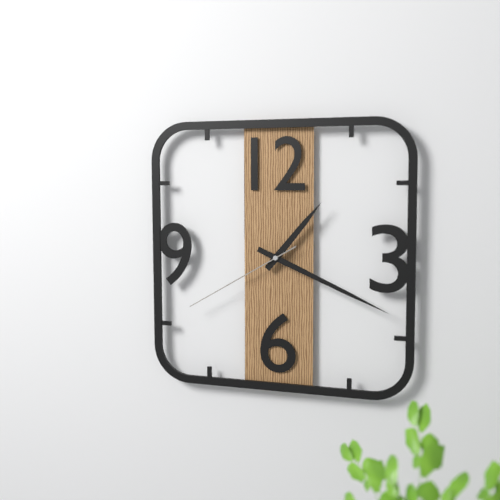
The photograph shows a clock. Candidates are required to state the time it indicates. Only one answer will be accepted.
1:19:40
